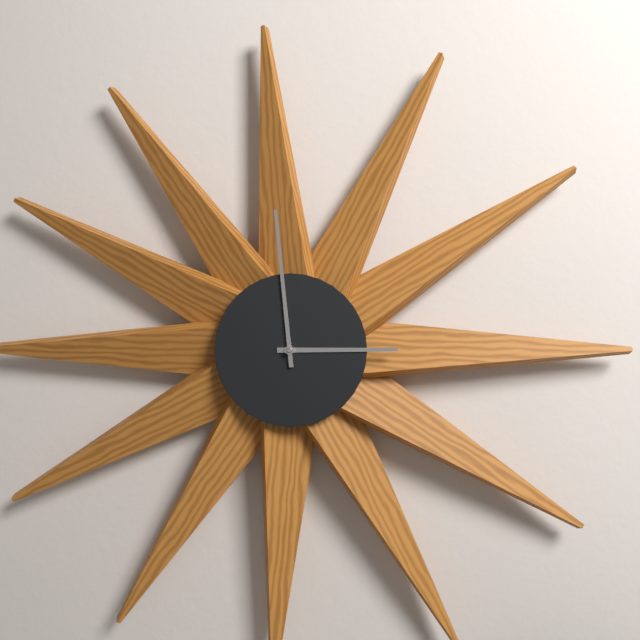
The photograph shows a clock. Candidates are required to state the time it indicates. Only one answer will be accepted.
2:59
